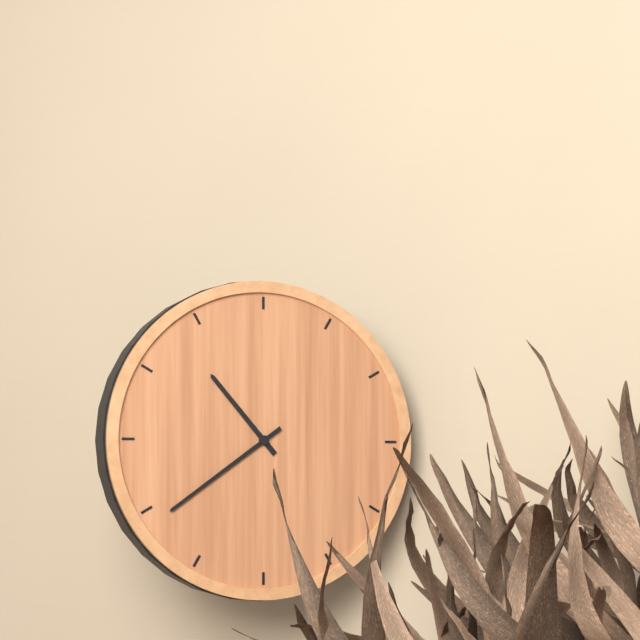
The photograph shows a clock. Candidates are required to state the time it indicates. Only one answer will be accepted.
10:39
